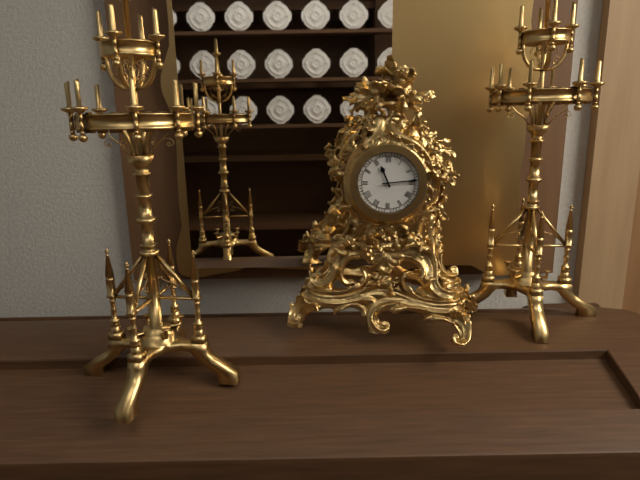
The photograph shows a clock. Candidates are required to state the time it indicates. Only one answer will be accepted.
11:14
